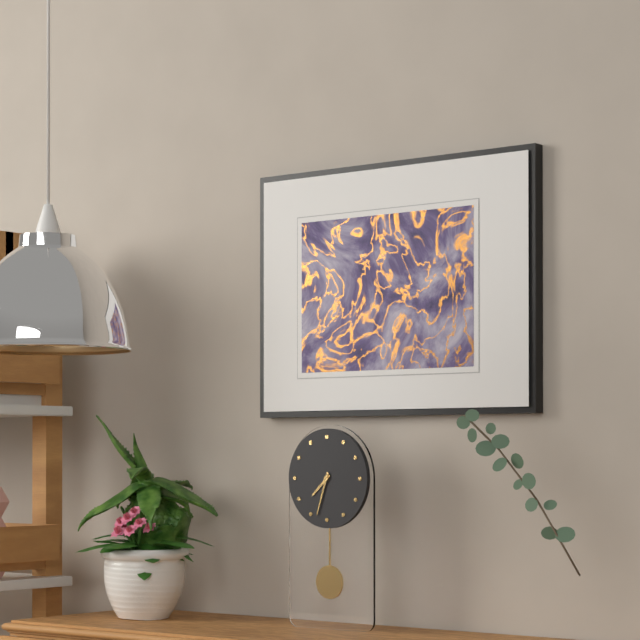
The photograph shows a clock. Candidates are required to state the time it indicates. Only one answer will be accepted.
7:33
